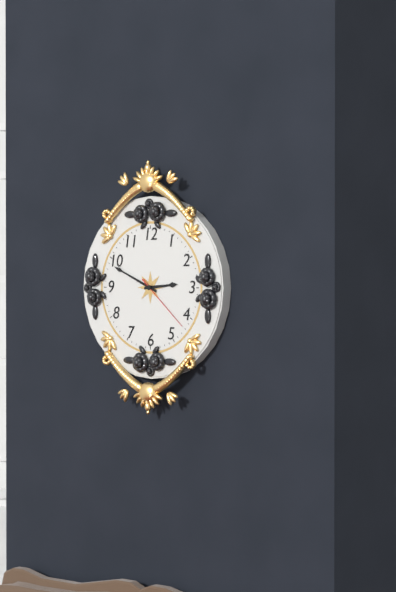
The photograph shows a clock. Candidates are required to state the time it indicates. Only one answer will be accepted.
2:49:22
